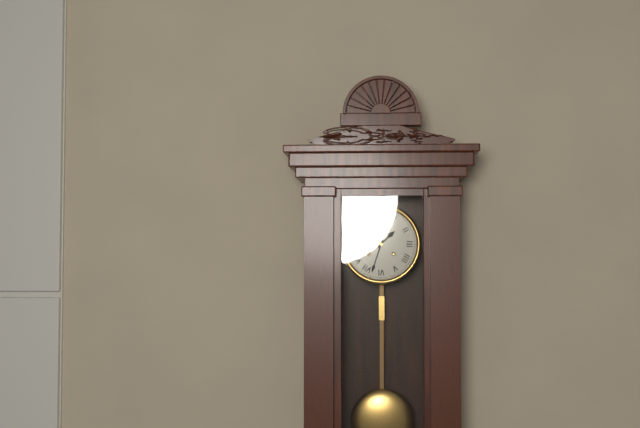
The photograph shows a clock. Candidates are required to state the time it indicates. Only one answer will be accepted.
1:33
